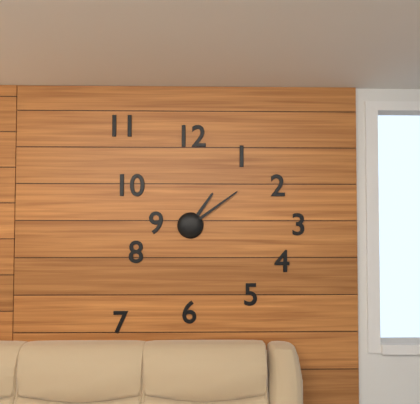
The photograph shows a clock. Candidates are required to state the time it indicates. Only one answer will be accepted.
1:09
